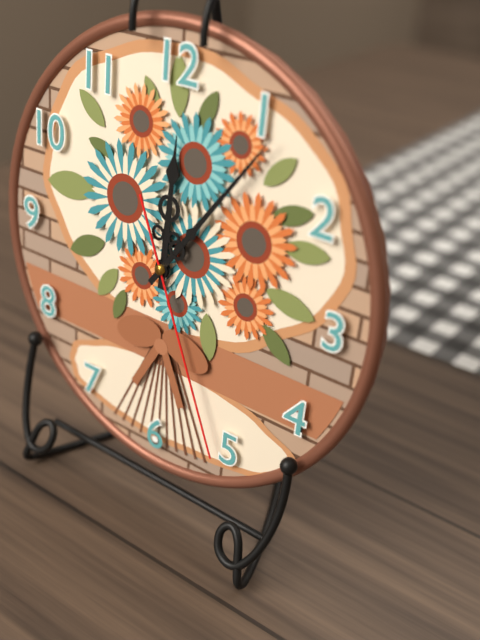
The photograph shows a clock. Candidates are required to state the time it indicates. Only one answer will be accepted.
12:06:26
